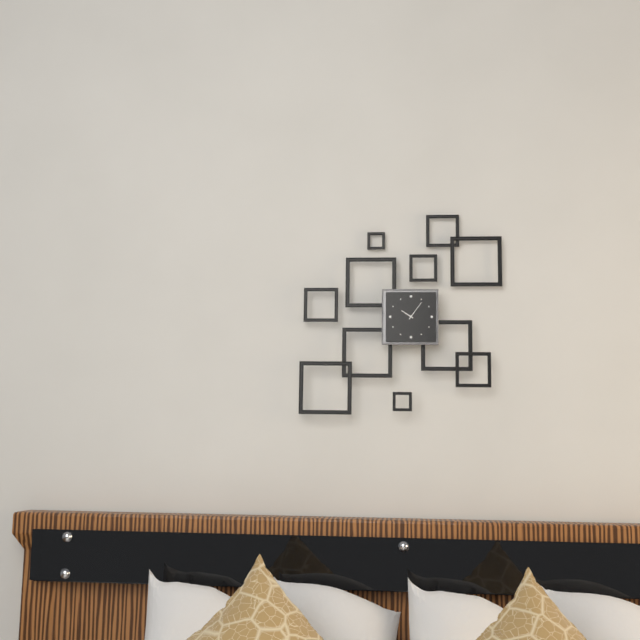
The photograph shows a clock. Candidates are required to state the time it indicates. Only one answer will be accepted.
10:06
